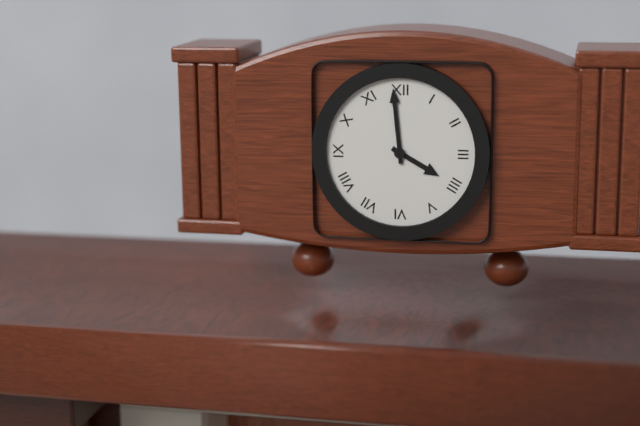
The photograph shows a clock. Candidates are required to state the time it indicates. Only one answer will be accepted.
3:59
